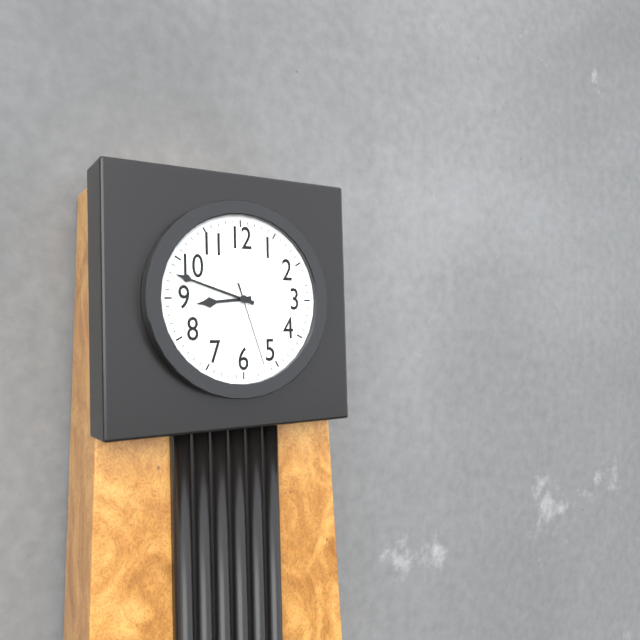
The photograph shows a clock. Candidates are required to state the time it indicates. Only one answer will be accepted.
8:48:27
